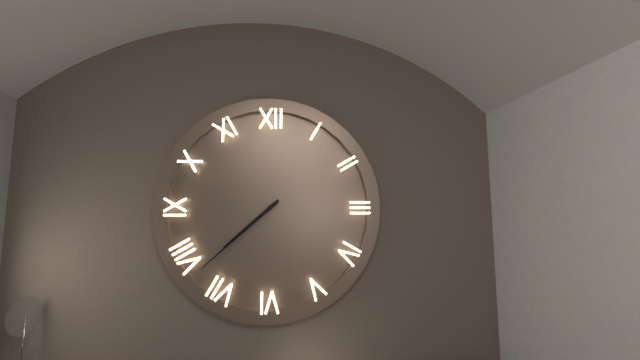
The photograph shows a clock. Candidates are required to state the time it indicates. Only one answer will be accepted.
7:38
